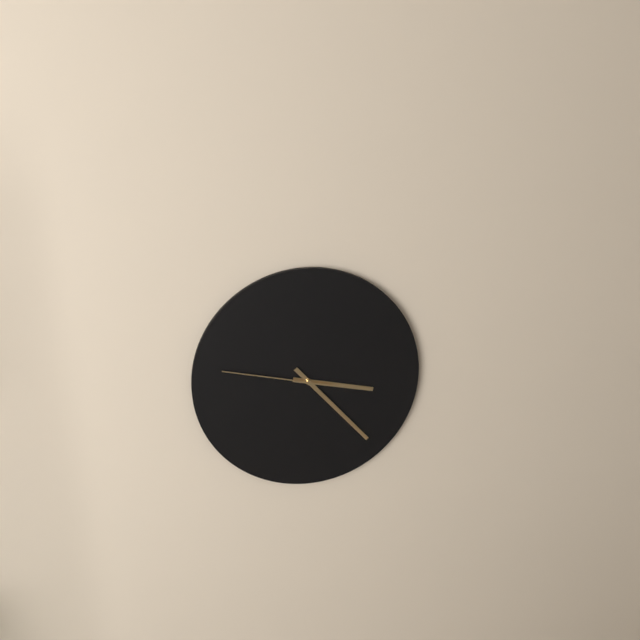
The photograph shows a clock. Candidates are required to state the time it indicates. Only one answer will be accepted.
3:23:47
